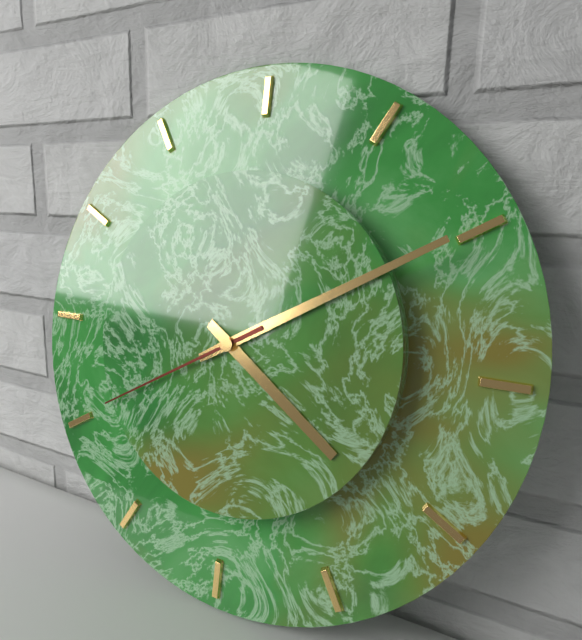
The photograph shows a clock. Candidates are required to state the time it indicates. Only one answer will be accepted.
4:10:40
